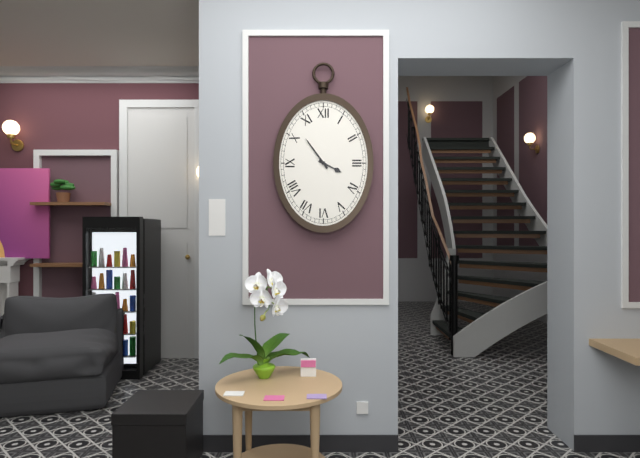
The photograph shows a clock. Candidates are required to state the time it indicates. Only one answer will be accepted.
3:54
